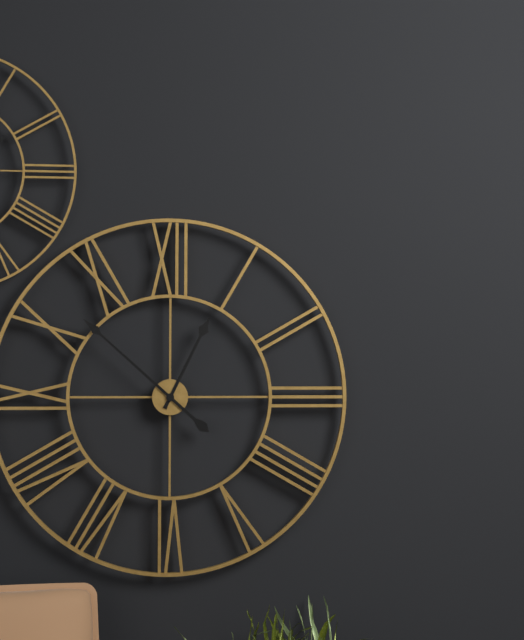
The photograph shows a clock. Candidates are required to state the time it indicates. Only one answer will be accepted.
12:52
